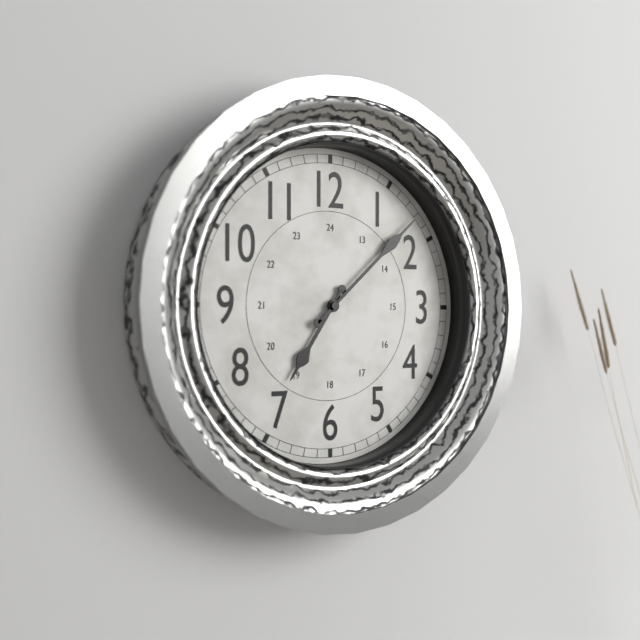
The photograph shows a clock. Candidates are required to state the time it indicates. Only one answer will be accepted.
7:08
